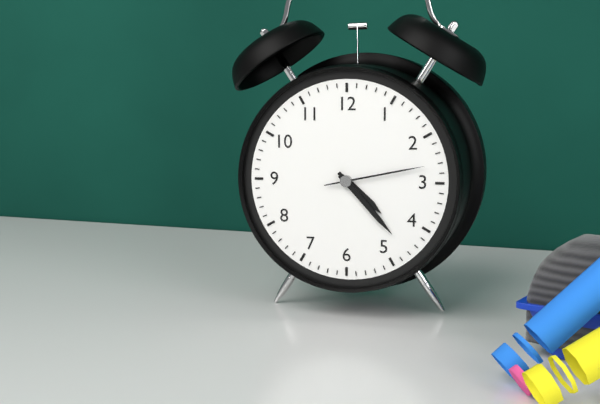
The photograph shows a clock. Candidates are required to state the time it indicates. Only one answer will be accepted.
4:23:13
